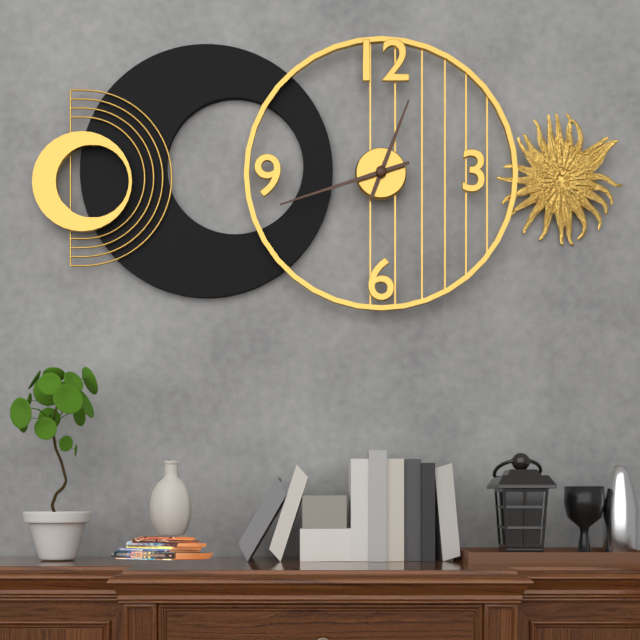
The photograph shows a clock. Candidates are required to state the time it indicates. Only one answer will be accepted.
12:42
